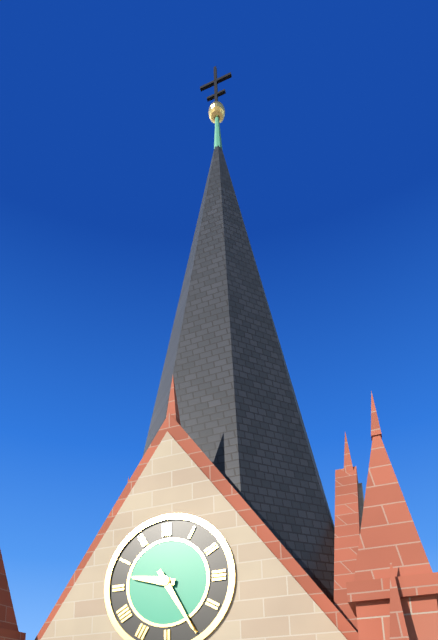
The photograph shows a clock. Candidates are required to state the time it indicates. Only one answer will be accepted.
9:25
